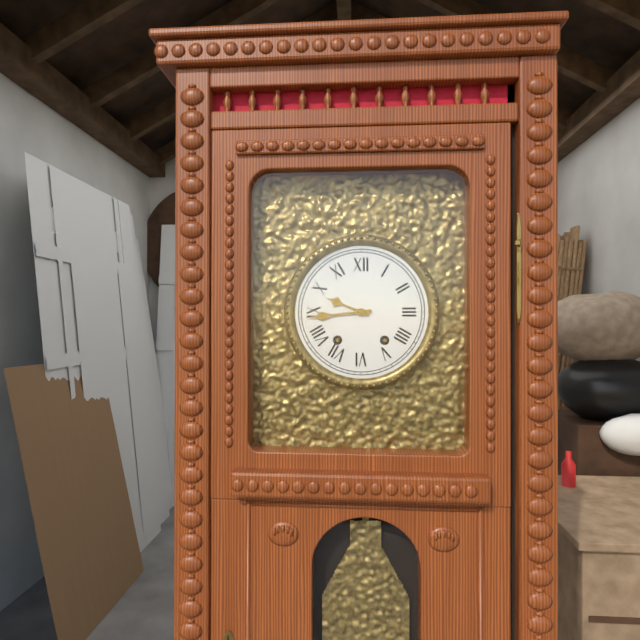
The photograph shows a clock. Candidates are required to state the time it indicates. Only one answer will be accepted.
9:44
